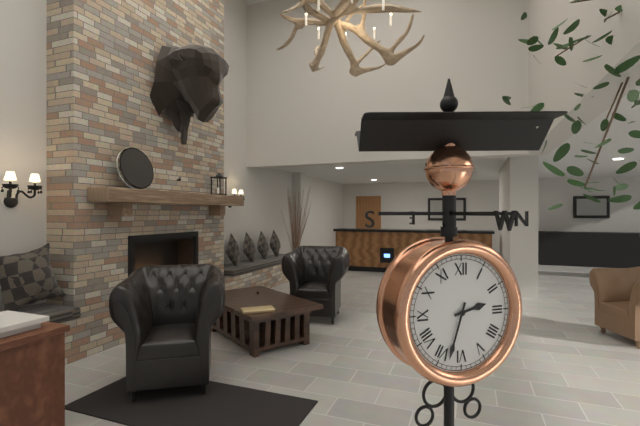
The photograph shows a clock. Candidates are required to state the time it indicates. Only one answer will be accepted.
2:33
